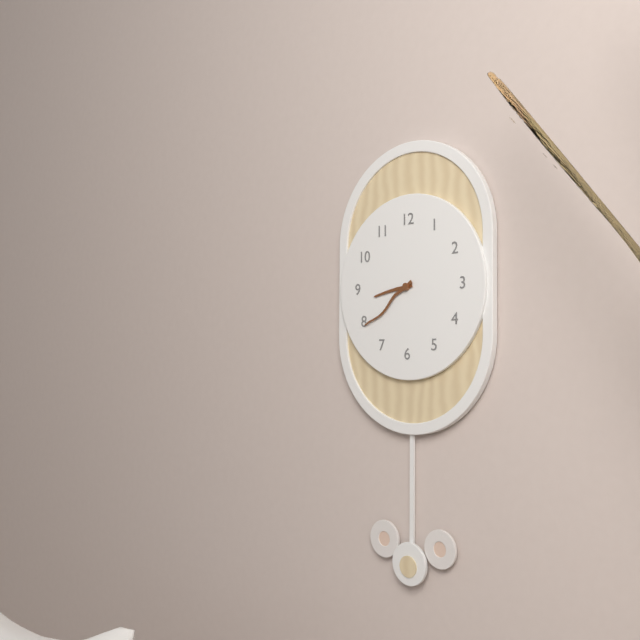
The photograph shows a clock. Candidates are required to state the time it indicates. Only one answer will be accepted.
8:39
